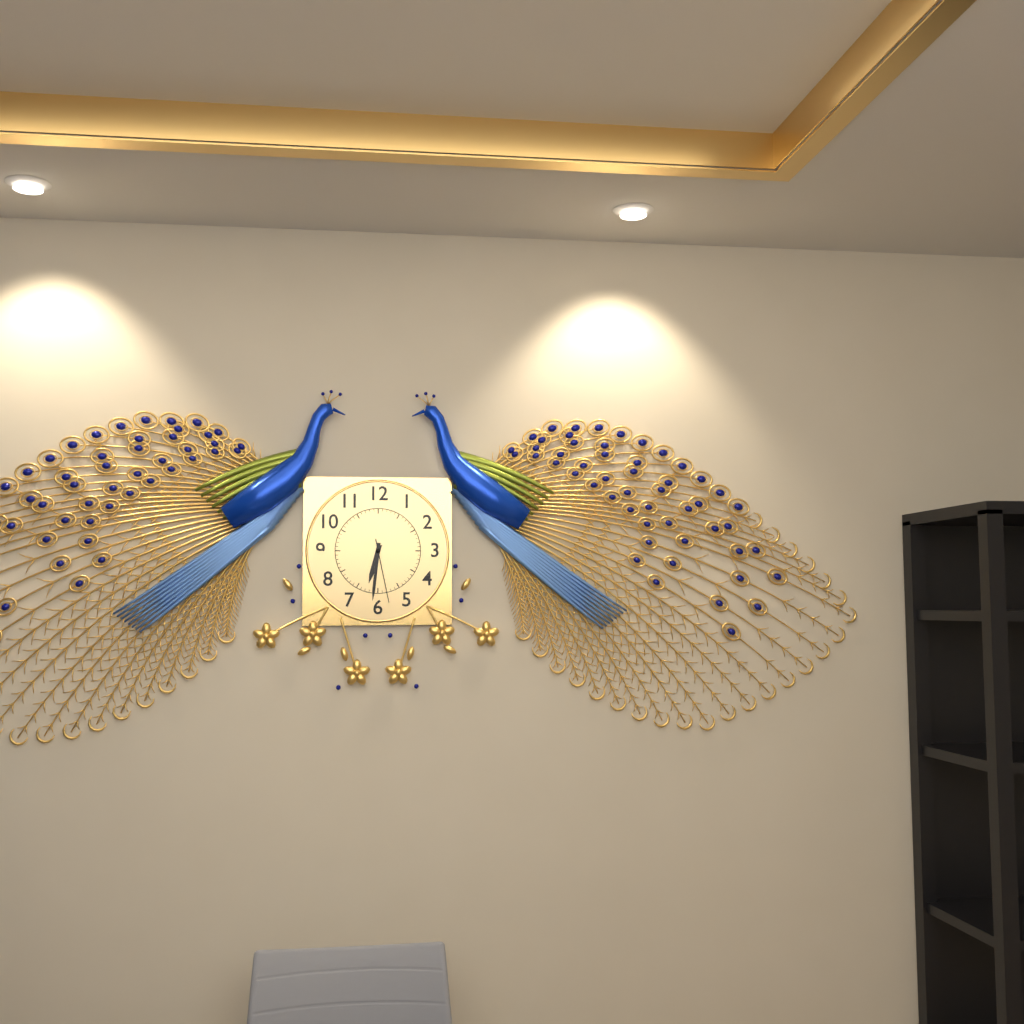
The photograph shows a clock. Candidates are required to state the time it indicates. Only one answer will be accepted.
6:31:28
